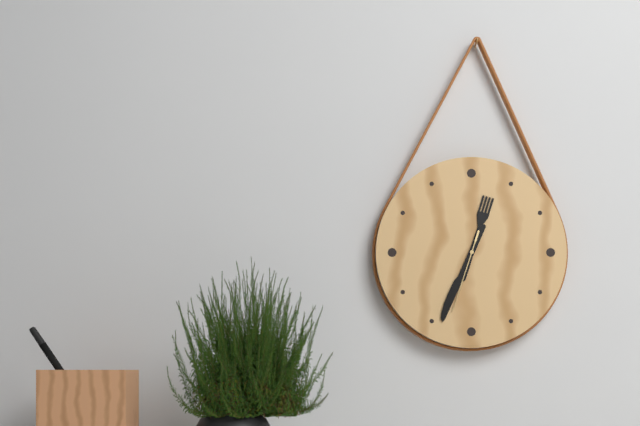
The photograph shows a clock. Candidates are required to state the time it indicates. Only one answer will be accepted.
12:34:33
